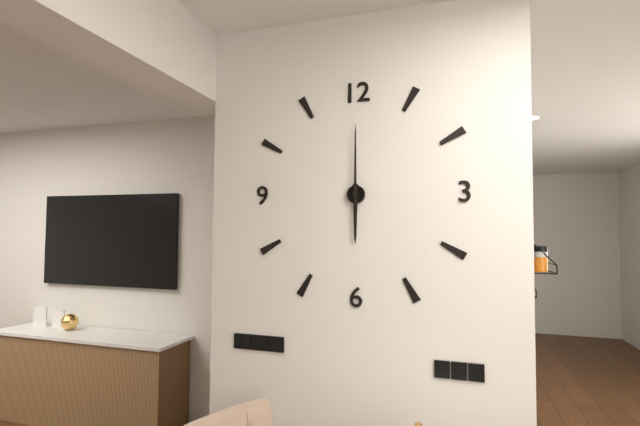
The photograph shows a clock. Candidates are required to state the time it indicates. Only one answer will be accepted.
6:00
